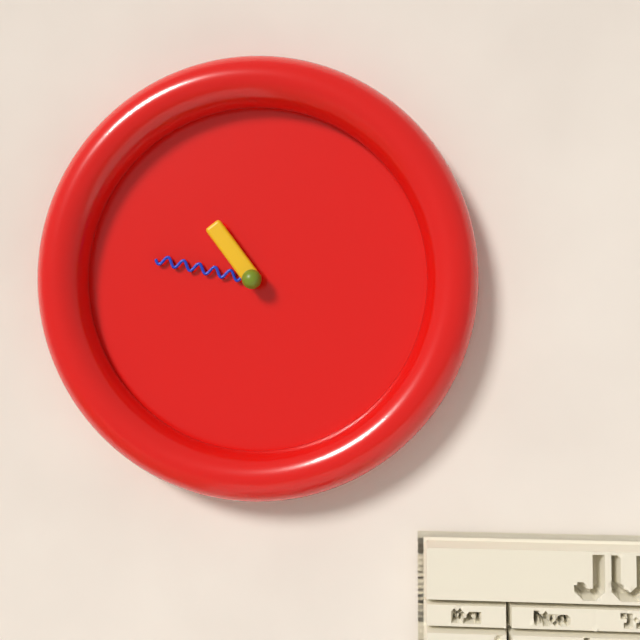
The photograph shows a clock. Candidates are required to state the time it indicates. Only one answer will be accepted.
10:47
